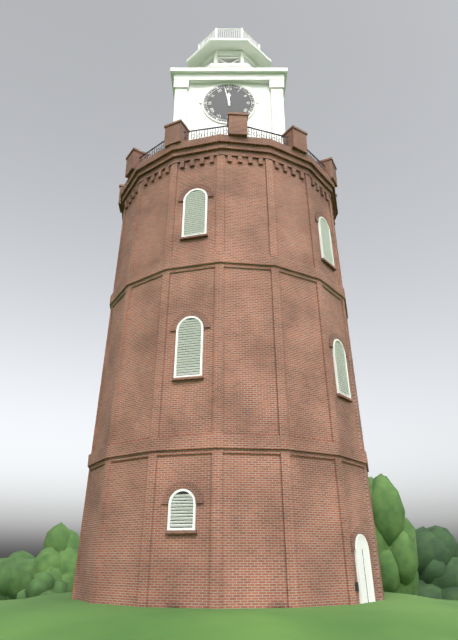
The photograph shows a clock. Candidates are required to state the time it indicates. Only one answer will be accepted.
11:58
